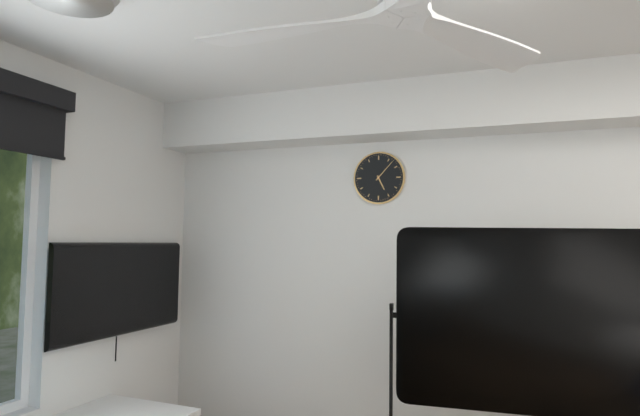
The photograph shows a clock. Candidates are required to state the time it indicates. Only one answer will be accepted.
5:07
